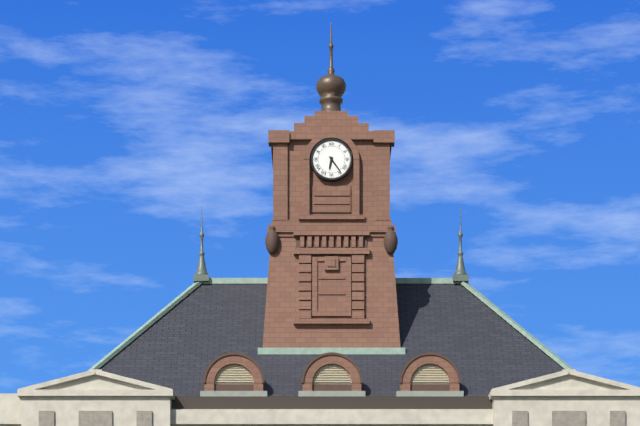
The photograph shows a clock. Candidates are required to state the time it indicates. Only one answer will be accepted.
6:24
